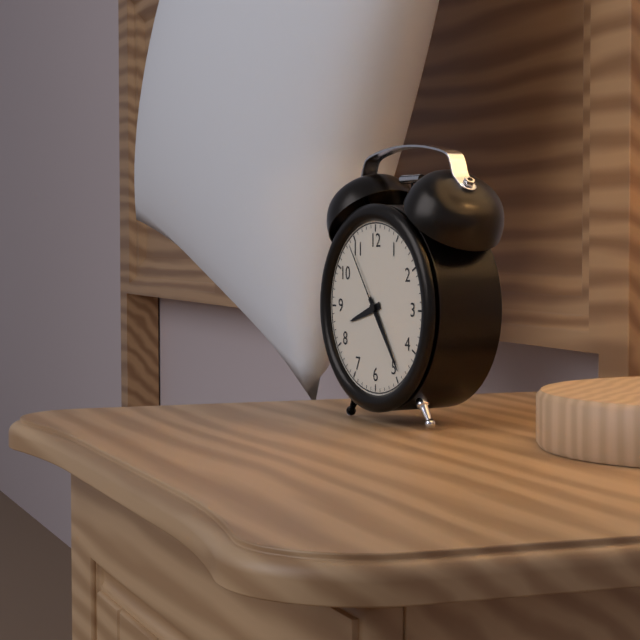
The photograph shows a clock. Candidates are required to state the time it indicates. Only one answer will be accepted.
8:24:54
